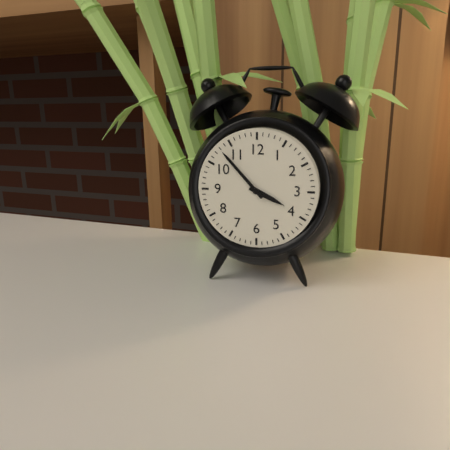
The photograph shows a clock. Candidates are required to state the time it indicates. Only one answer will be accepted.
3:53
